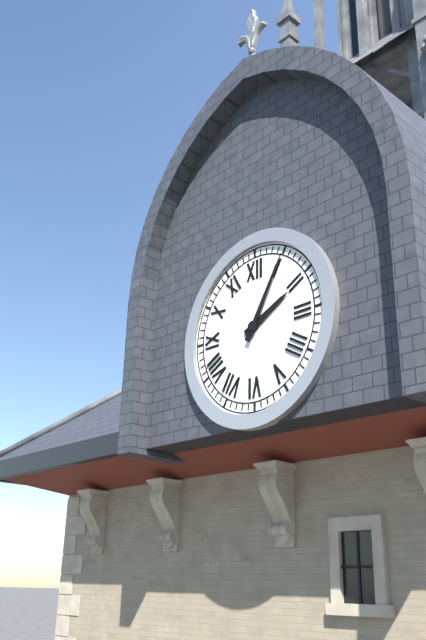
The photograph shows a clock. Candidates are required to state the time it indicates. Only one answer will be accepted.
2:05
